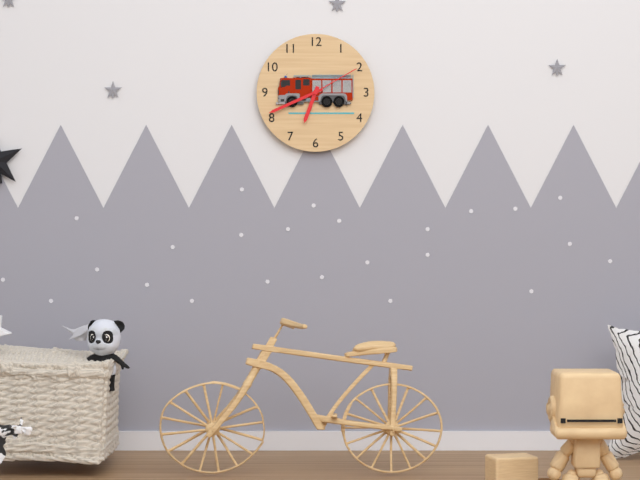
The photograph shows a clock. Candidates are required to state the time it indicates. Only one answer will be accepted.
6:41:10
